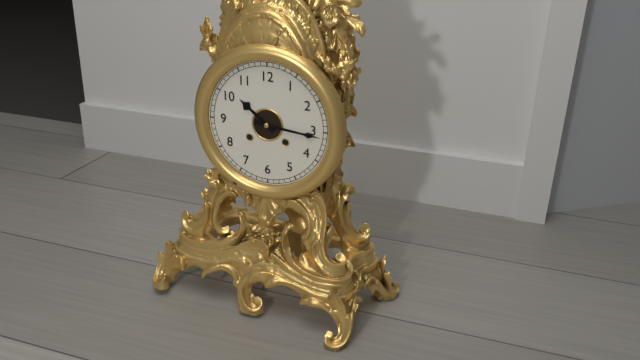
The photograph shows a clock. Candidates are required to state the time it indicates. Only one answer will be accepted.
10:16
